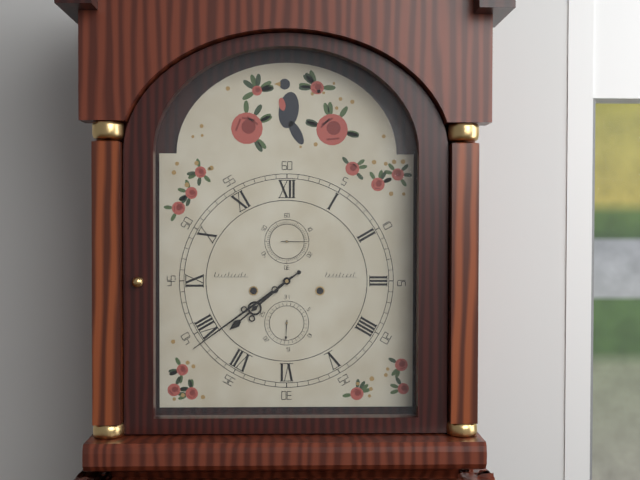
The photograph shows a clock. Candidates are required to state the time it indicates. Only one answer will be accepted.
7:39
